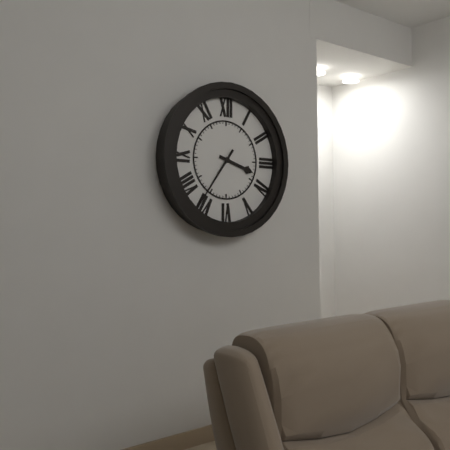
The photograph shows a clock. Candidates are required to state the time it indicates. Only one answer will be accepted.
3:36
